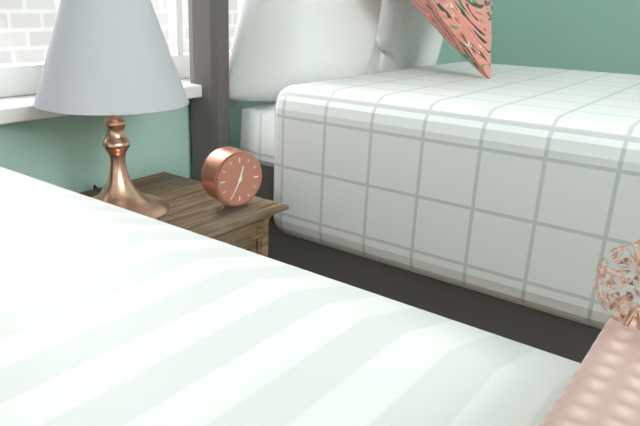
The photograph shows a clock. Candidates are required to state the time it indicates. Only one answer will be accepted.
12:35
